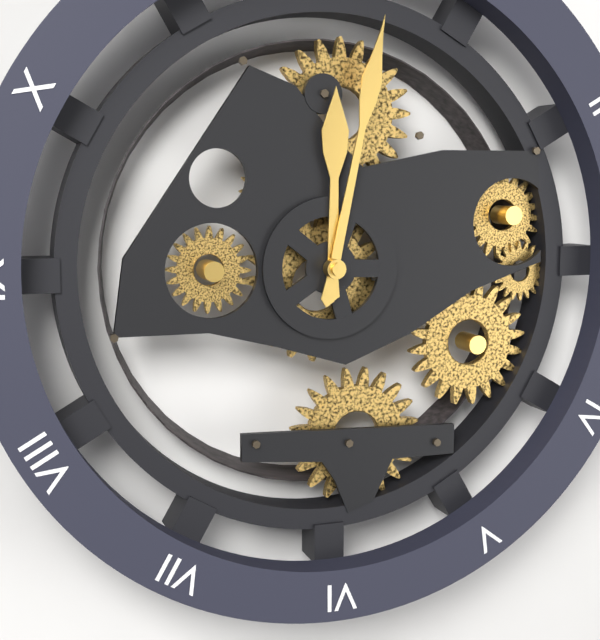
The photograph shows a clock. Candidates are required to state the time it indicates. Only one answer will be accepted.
12:02
